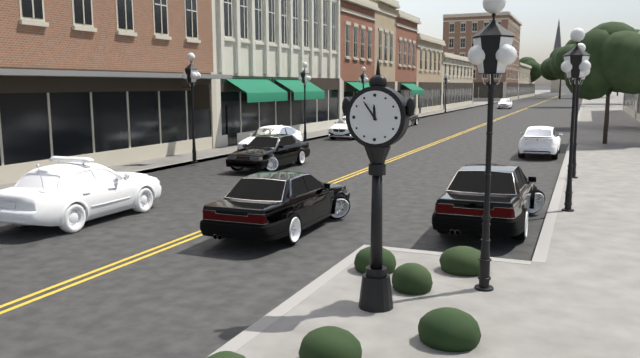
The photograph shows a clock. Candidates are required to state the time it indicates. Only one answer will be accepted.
11:54
